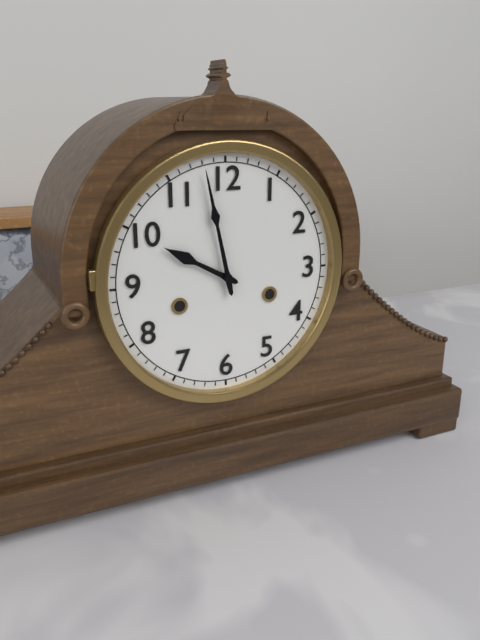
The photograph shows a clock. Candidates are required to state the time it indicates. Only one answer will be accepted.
9:58
